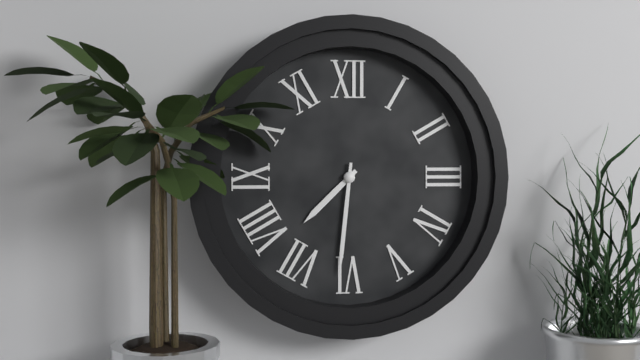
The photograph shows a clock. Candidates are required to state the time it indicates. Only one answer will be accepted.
7:31
